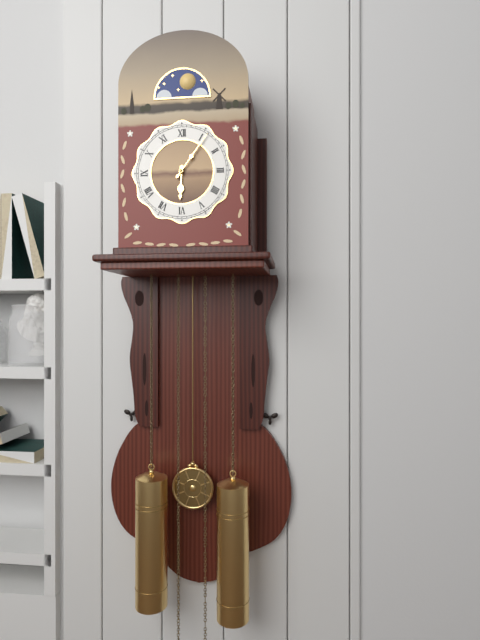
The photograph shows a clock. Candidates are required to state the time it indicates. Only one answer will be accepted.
6:06
